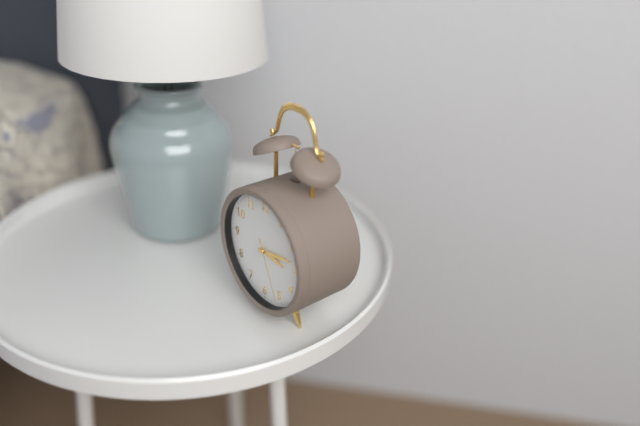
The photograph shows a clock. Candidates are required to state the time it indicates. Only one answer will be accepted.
3:13:26
